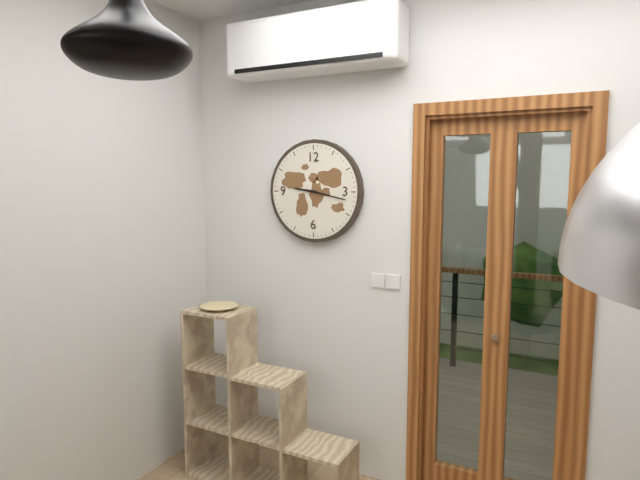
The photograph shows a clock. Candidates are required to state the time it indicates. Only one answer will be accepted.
9:17
